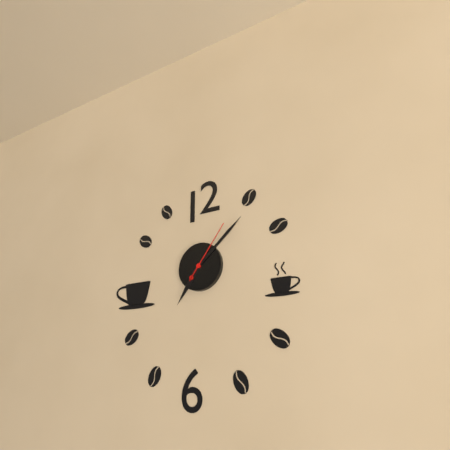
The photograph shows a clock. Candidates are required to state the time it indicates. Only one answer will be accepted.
7:08:06
